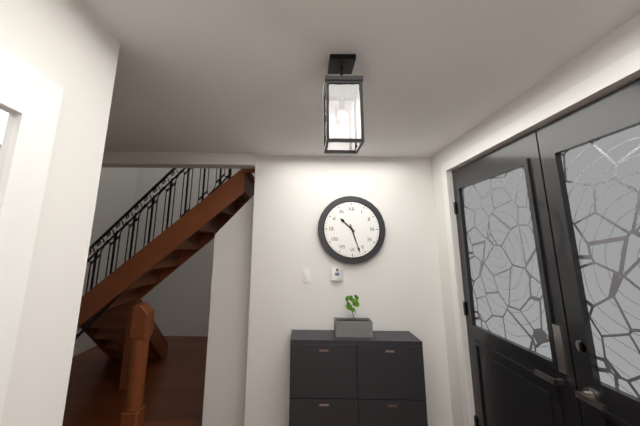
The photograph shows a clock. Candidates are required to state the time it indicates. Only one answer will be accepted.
10:27
